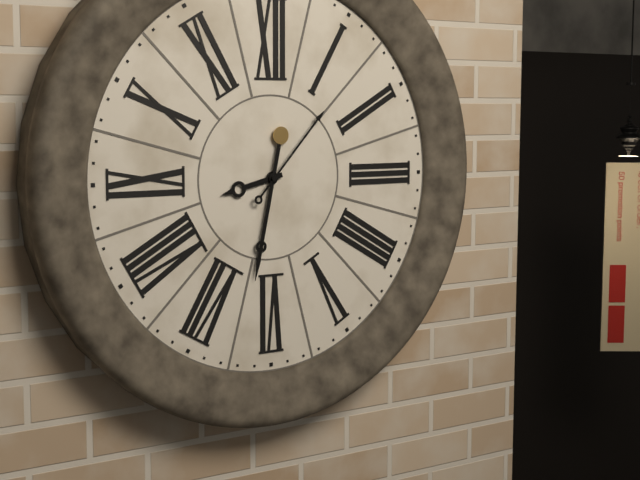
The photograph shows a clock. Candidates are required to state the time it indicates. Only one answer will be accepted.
8:32:07
